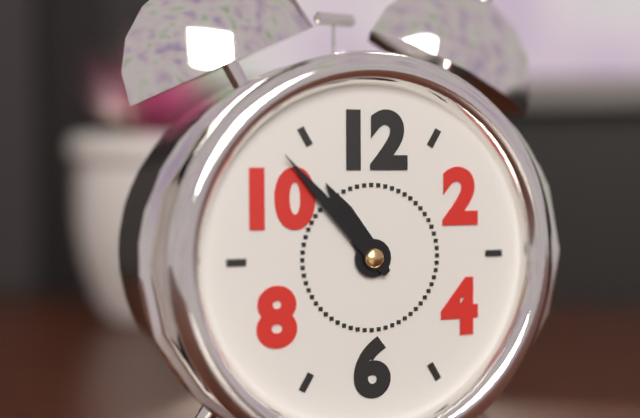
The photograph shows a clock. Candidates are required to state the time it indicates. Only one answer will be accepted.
10:53
